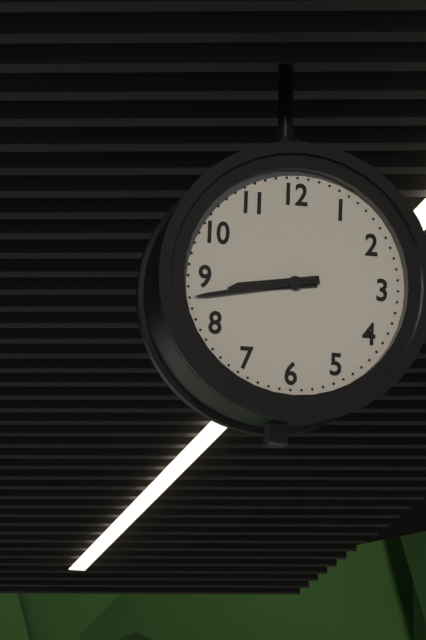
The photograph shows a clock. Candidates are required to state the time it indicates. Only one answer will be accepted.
8:43
